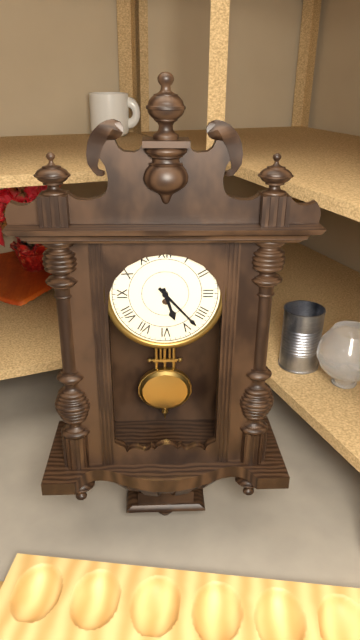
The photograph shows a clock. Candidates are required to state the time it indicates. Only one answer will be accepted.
5:23
